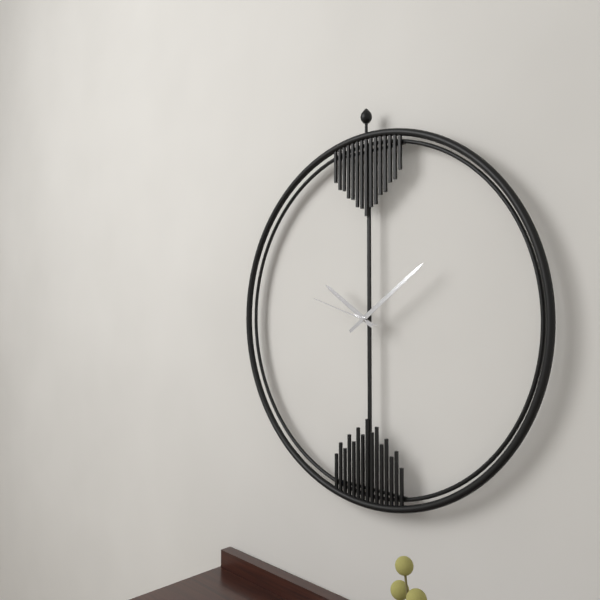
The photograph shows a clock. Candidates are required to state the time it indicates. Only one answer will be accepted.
10:09:48
